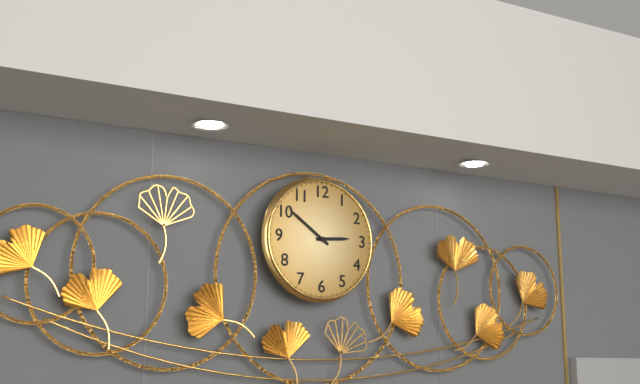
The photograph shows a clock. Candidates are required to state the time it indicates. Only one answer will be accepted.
2:51
